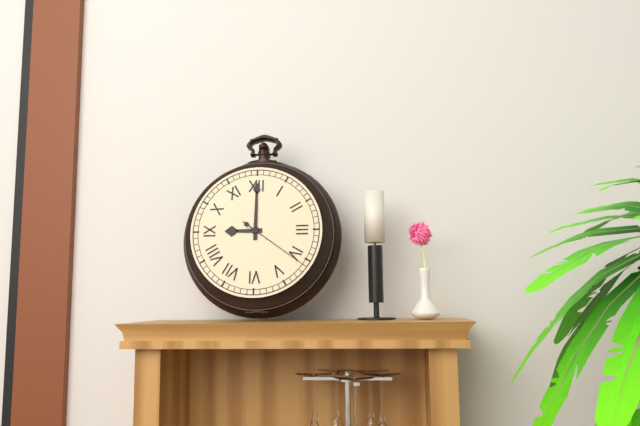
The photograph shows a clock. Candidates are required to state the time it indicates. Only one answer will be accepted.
9:00:21
